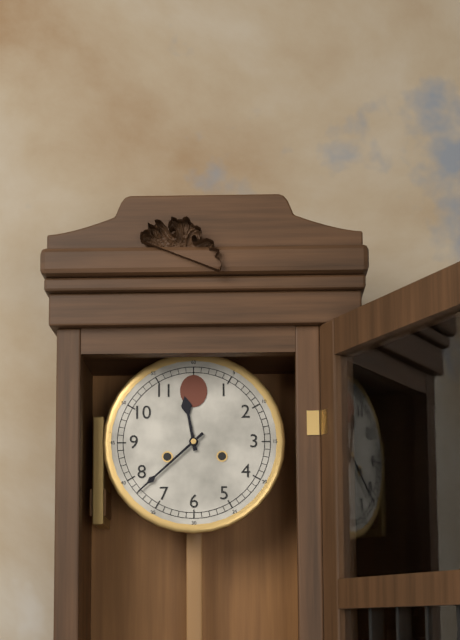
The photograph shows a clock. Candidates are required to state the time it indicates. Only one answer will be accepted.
11:38
